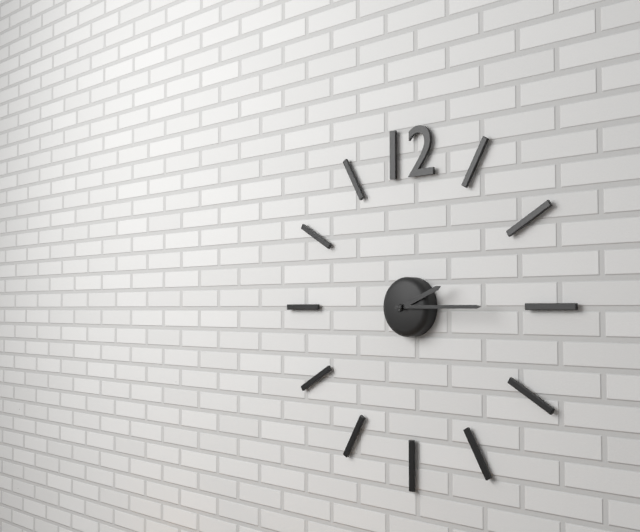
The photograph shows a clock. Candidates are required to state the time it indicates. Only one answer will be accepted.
2:15
